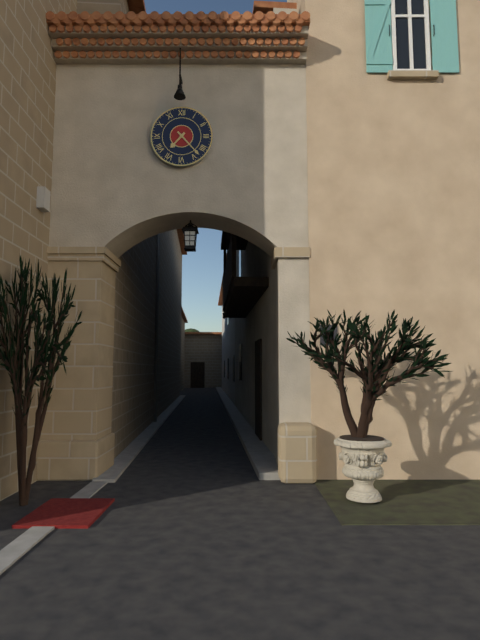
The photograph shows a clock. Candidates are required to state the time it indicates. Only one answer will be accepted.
7:23
